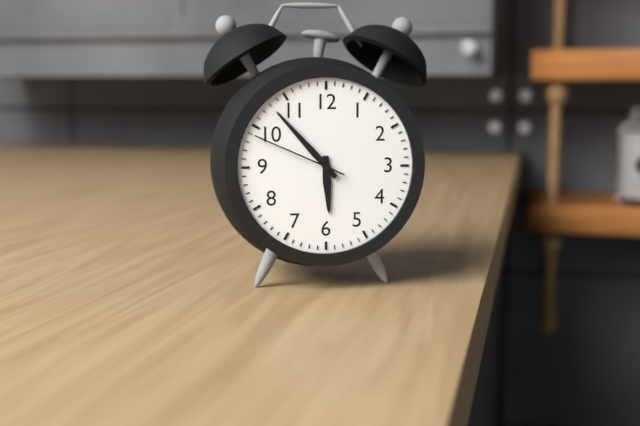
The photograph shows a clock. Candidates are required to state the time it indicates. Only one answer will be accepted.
5:53:49
